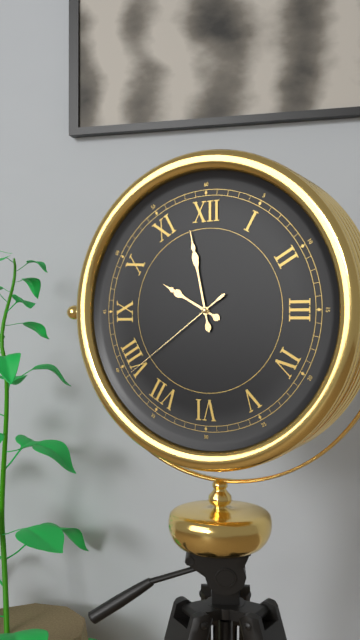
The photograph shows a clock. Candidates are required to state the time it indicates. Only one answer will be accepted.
9:58:39
